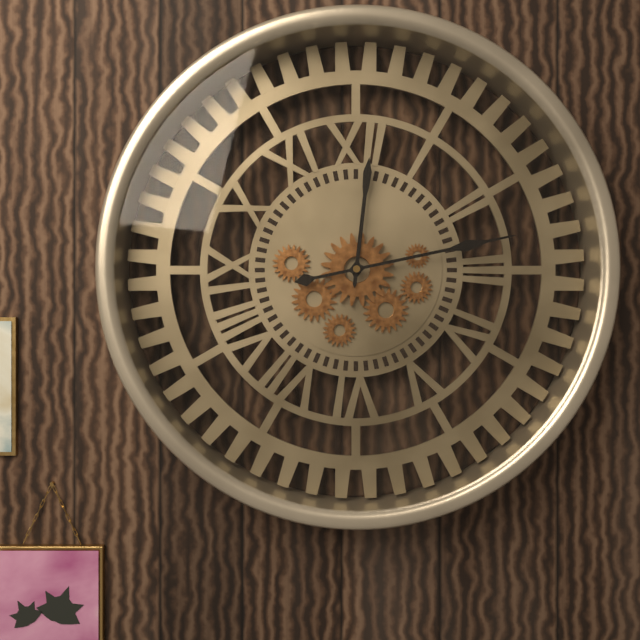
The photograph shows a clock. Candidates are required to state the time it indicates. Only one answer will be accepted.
12:13
